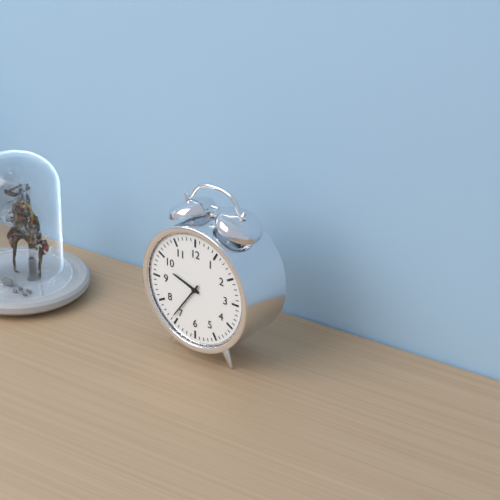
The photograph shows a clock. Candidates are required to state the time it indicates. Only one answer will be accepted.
9:36
